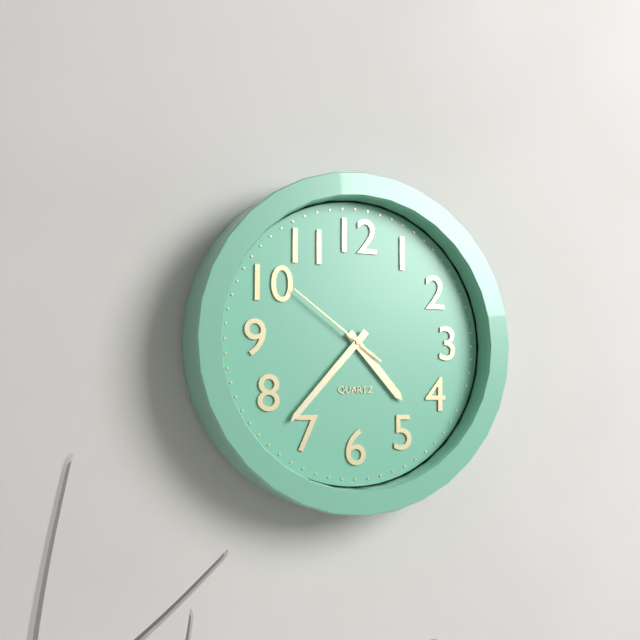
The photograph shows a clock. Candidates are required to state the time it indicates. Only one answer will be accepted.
4:37:51
